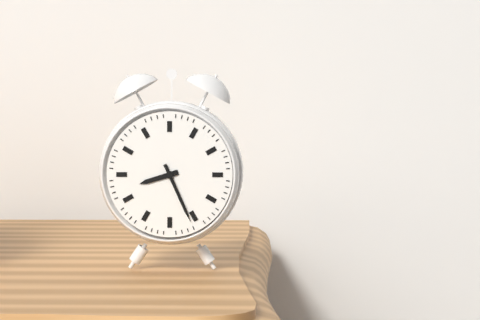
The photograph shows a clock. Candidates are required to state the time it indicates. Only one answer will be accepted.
8:26
